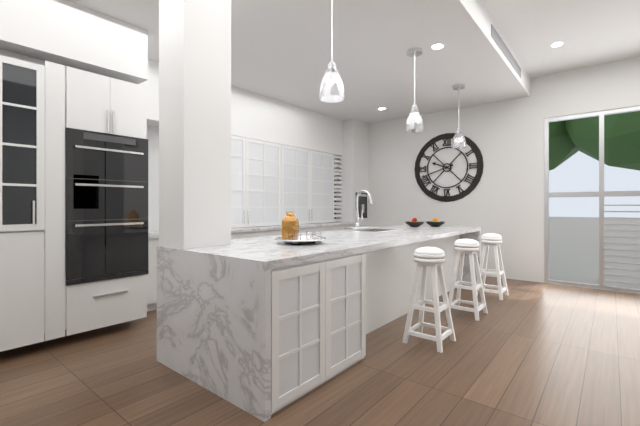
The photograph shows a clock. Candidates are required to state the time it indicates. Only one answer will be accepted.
9:42
